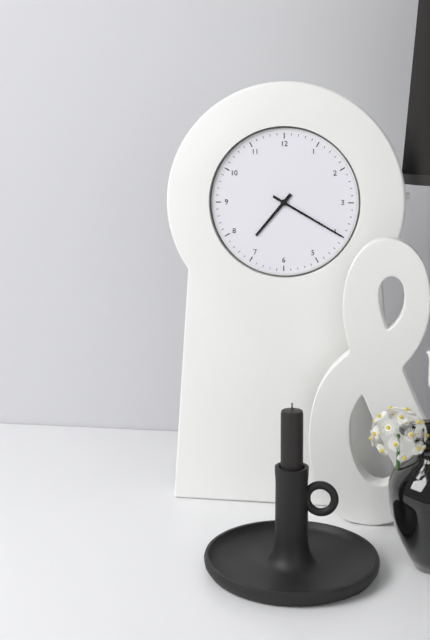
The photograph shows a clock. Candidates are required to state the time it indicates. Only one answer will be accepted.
7:20
